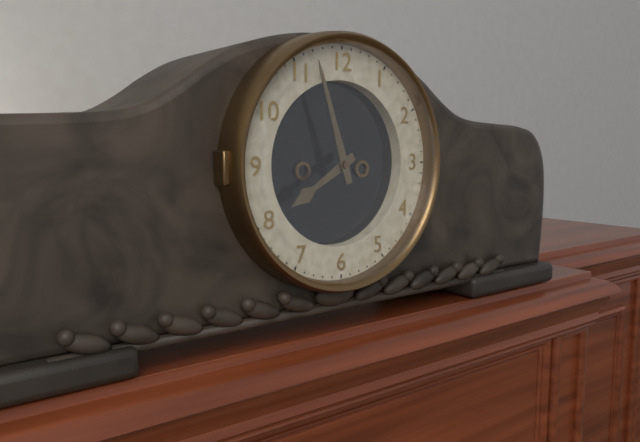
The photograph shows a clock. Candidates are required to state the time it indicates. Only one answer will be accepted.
7:57
